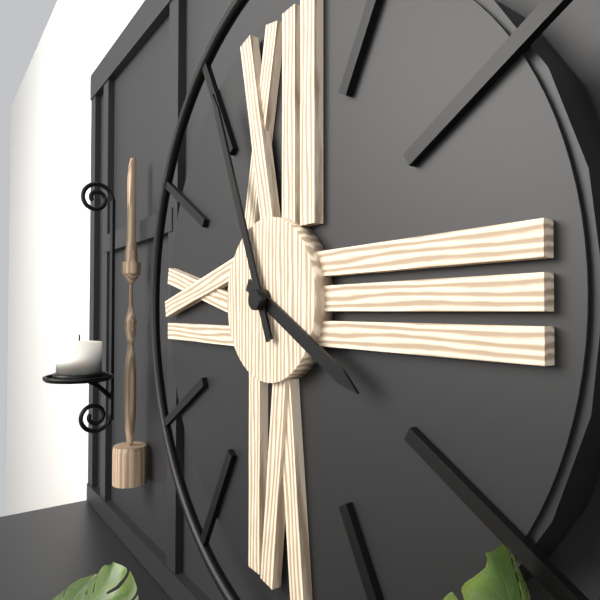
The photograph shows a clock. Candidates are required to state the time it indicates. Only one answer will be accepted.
3:56
